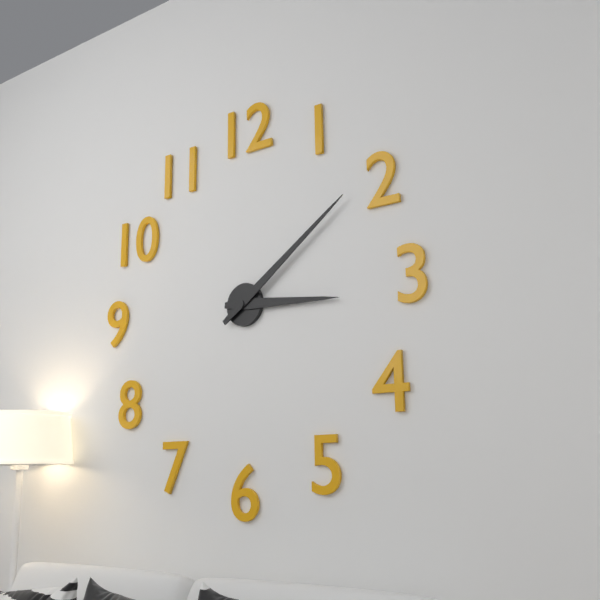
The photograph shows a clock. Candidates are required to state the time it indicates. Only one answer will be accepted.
3:09
